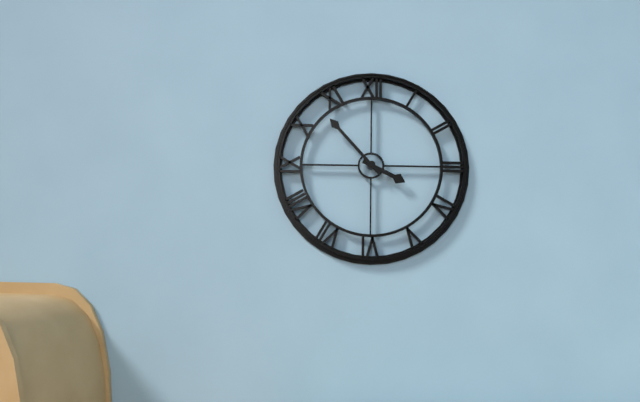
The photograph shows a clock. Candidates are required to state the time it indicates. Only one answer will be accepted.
3:53
